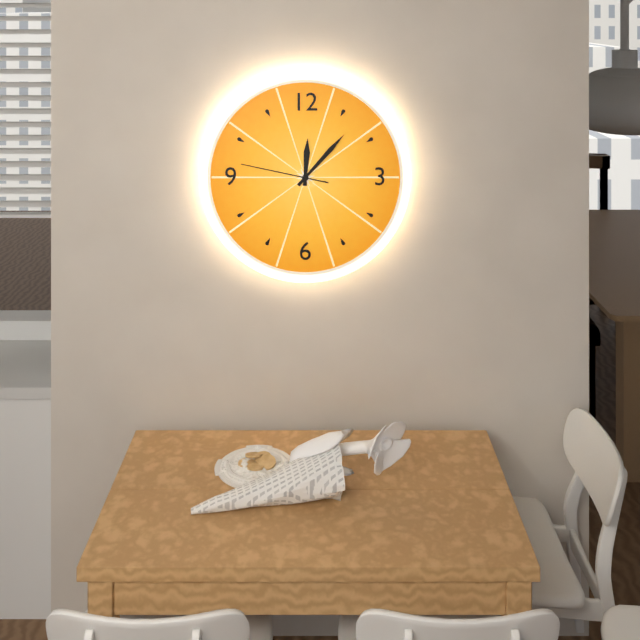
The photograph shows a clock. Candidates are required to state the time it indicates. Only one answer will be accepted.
12:07:47
